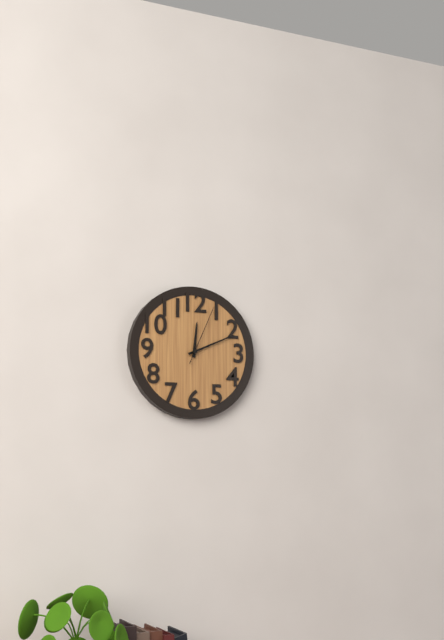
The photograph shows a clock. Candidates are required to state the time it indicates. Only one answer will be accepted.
12:11:04
